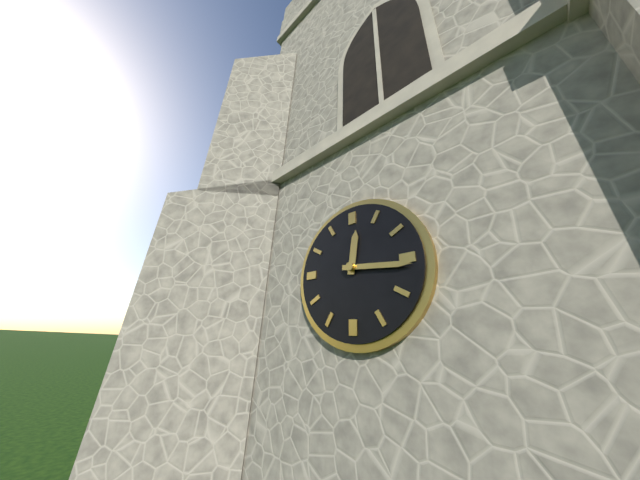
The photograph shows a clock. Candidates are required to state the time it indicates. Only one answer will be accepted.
12:16
